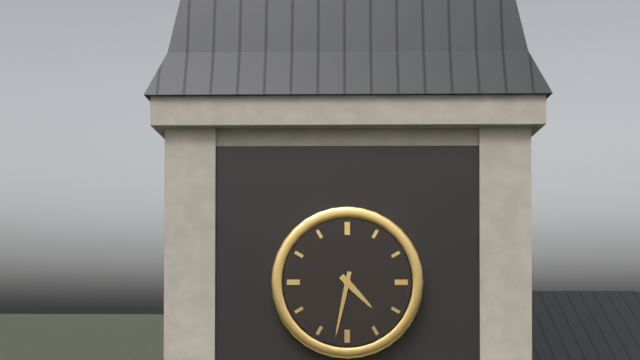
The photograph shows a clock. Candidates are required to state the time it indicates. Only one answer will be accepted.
4:32
